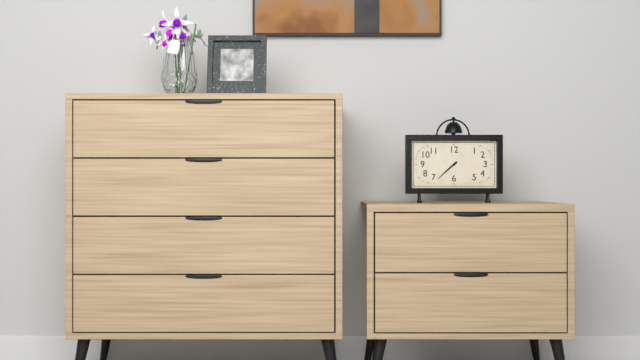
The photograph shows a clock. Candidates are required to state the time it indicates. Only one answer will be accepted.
7:38
